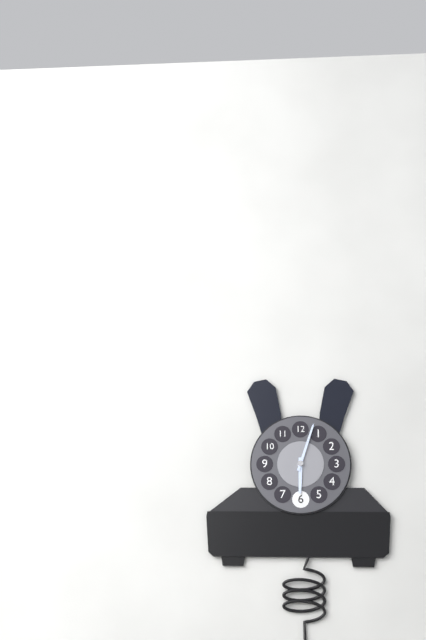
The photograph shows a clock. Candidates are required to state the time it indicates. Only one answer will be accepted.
6:03
